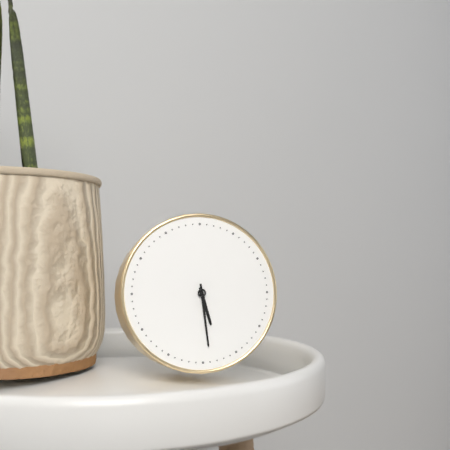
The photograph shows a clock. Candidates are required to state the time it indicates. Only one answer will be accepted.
5:29
